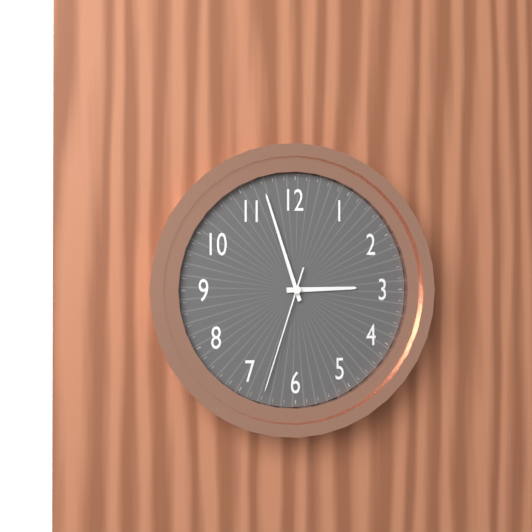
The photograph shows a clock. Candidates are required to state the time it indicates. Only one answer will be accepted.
2:57:33
